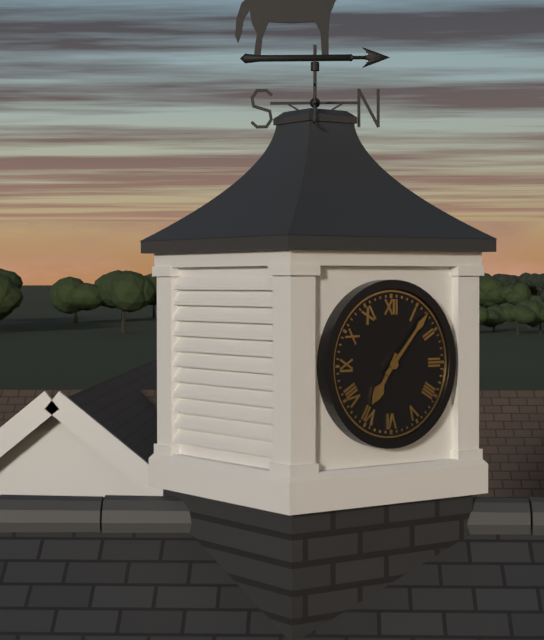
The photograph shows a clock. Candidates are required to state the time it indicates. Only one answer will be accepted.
7:07
